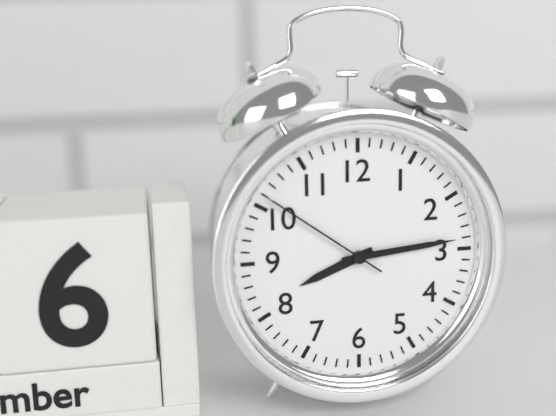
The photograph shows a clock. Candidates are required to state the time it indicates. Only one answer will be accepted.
8:14:51
